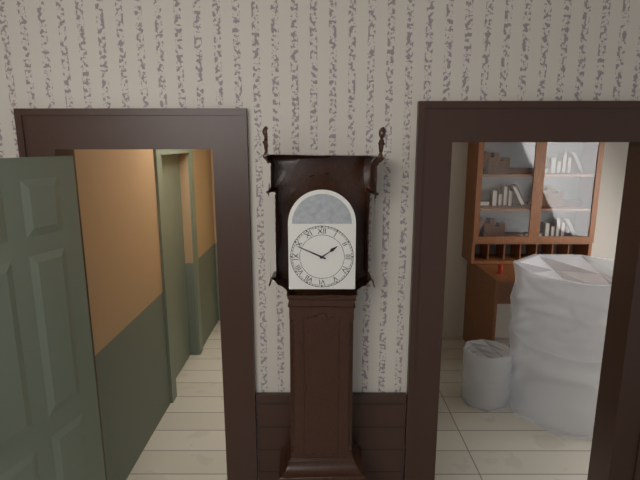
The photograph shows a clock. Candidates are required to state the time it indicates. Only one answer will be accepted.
1:49
